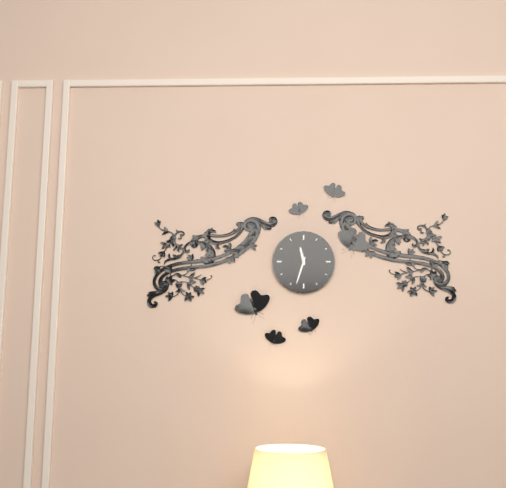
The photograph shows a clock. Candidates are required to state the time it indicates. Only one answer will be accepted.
11:33
